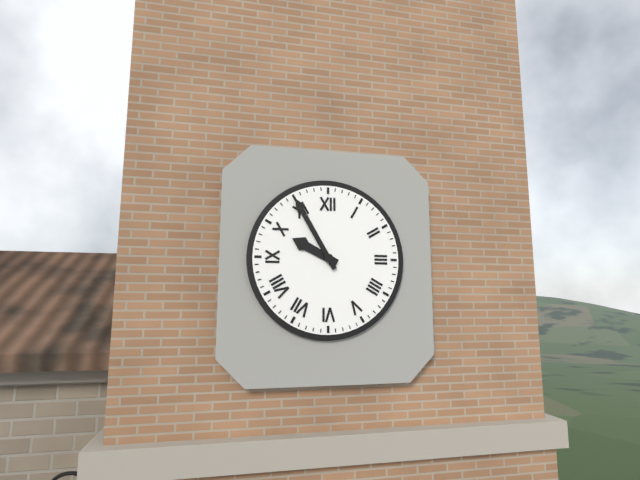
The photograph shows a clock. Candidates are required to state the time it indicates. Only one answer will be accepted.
9:55
